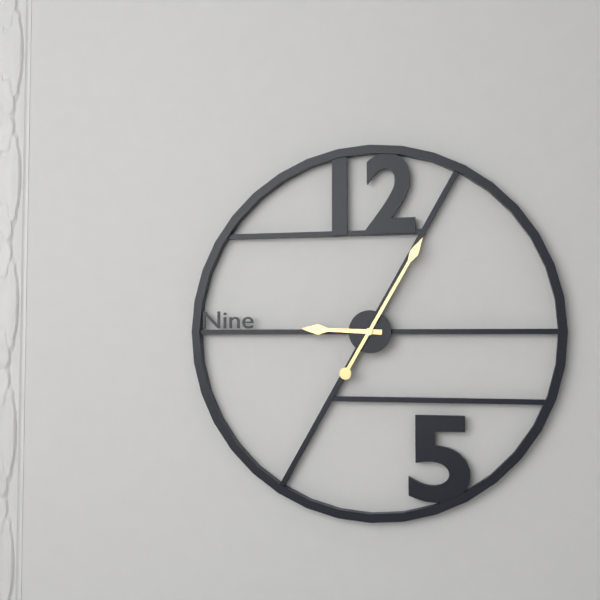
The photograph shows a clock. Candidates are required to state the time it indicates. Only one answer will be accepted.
9:05
